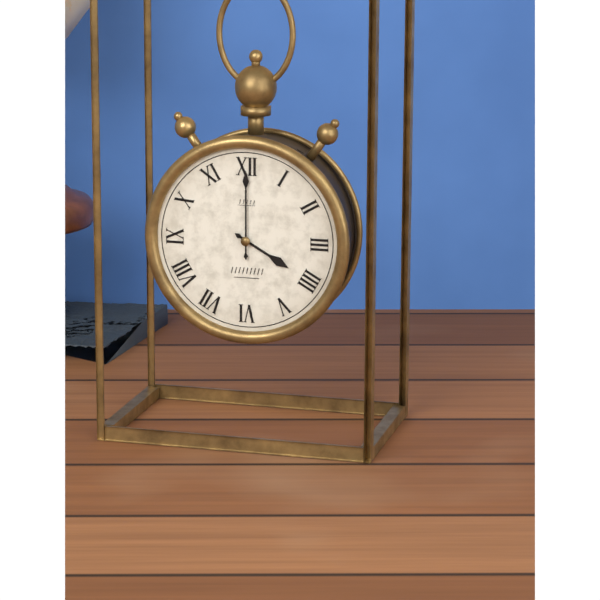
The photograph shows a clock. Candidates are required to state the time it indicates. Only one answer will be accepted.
4:00
